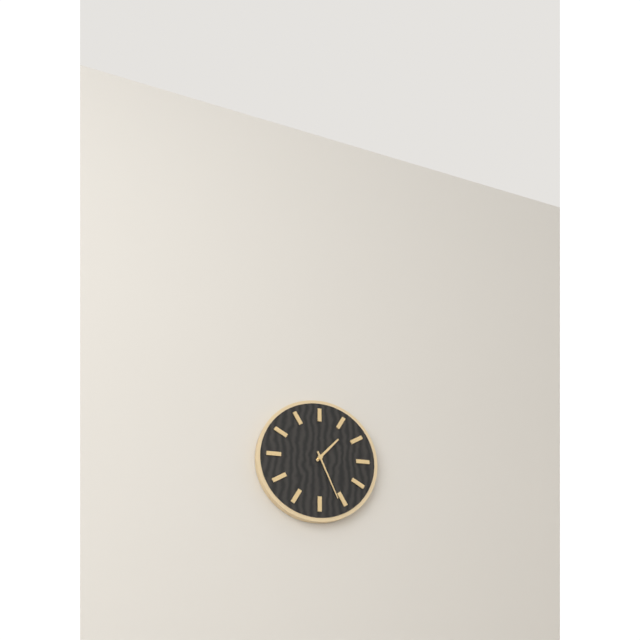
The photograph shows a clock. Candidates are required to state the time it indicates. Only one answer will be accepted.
1:26
